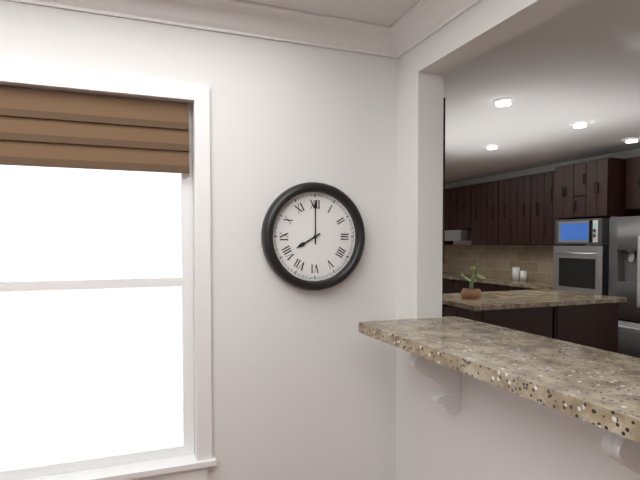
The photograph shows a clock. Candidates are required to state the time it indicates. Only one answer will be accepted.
8:00
